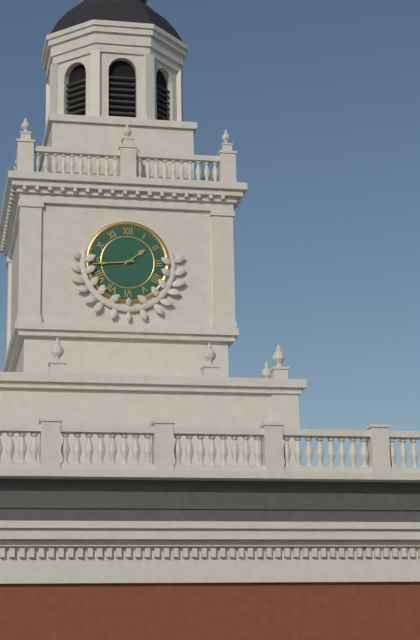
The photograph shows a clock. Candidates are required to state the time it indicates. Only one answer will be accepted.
1:44
